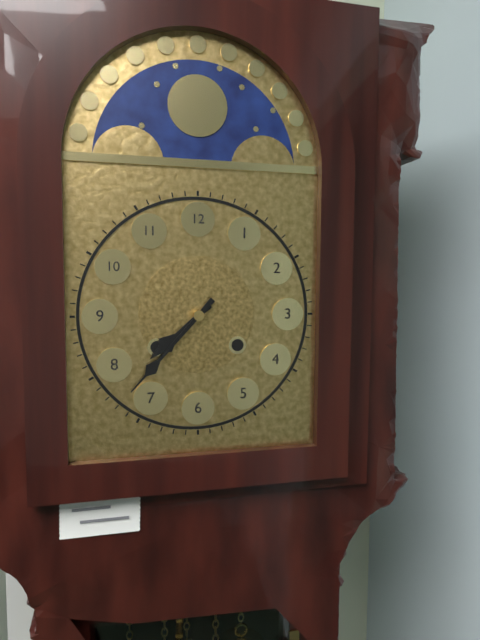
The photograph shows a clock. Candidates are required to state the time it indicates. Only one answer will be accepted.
7:37
